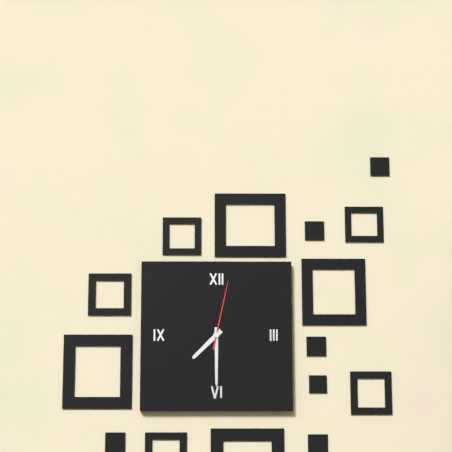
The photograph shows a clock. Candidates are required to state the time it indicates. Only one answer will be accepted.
7:30:02
